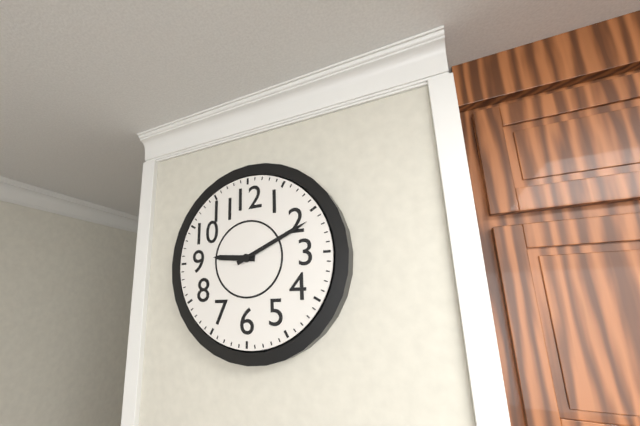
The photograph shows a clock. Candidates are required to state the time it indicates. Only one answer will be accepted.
9:11
